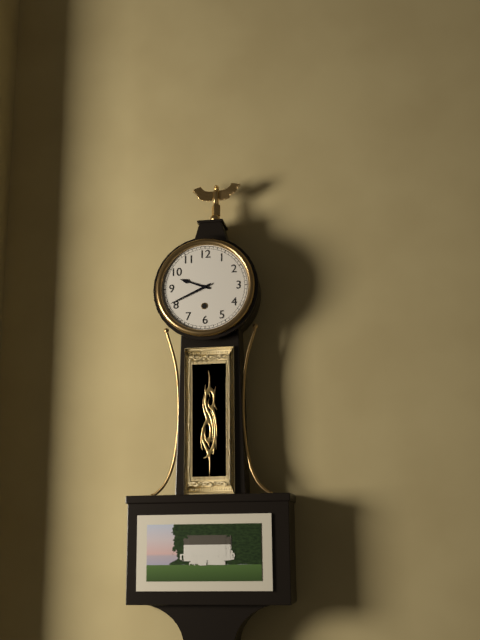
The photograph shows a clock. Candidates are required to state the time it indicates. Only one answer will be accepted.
9:41
